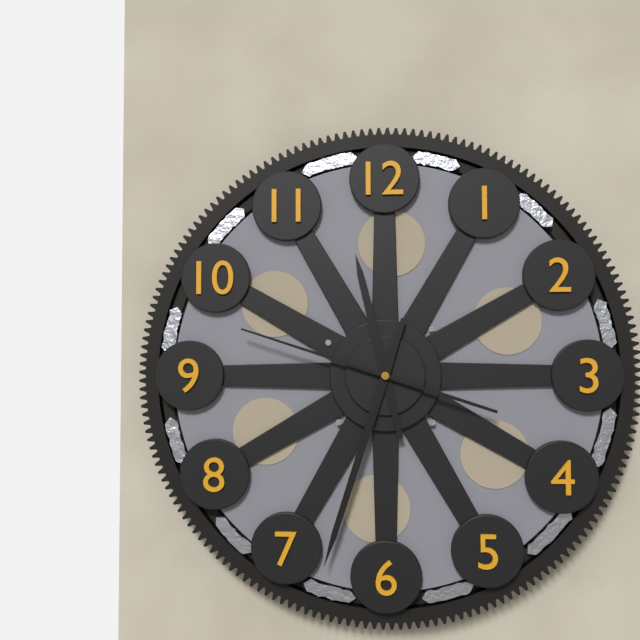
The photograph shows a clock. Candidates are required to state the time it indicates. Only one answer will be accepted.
11:33:48
